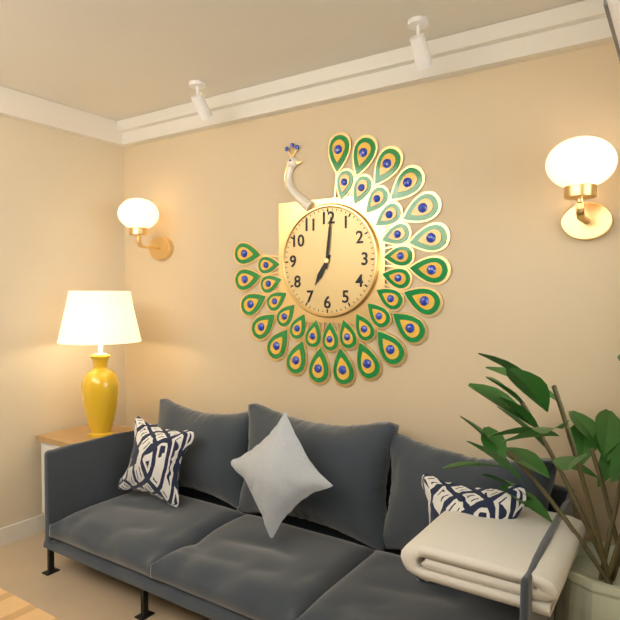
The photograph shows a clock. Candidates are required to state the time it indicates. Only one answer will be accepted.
7:01
